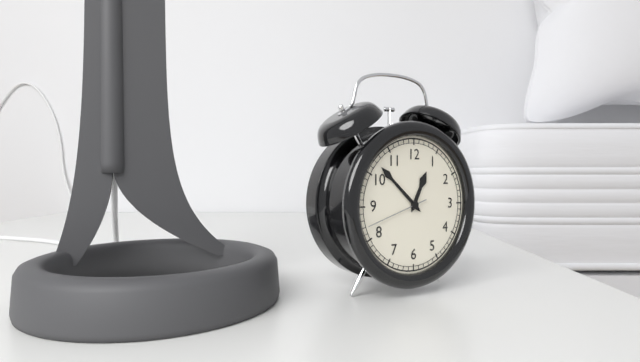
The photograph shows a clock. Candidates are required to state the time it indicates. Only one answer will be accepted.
12:52:42
